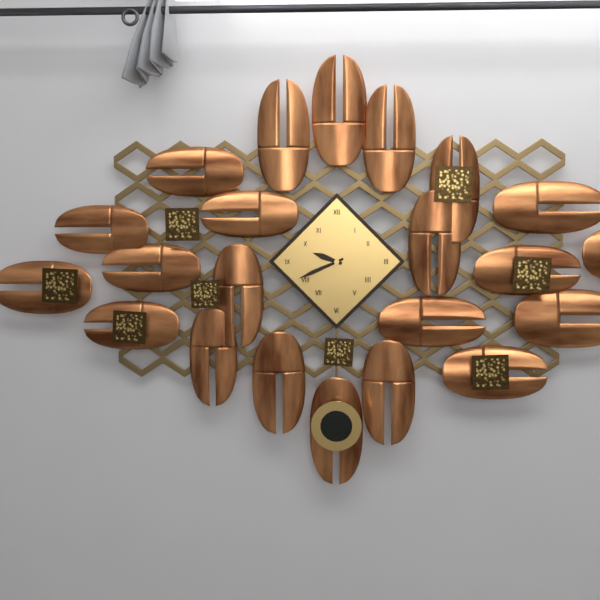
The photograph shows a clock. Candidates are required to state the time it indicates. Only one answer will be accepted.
9:41
